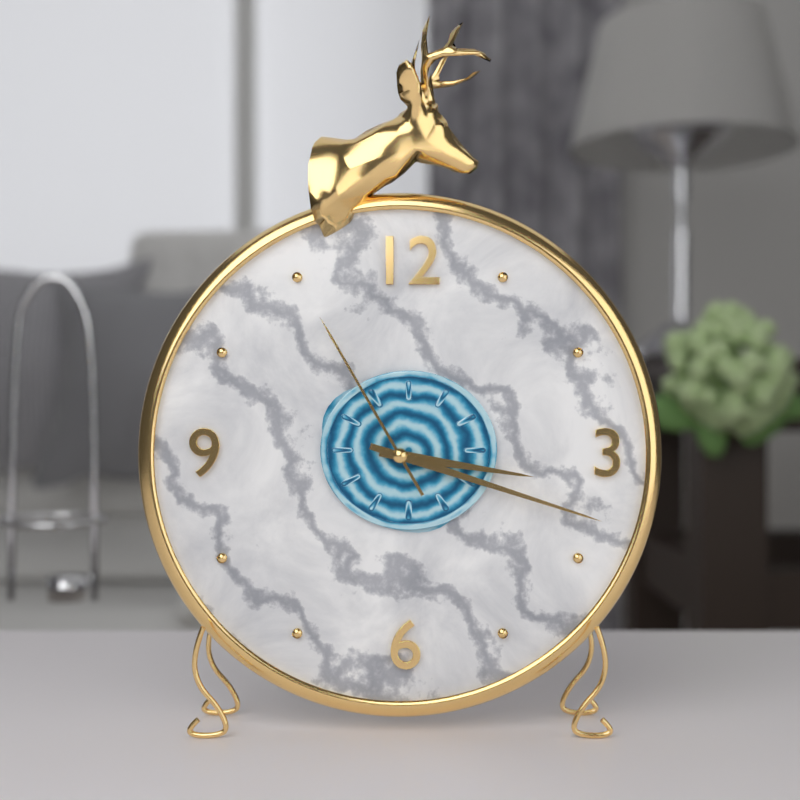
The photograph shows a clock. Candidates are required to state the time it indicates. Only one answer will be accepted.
3:18:55
